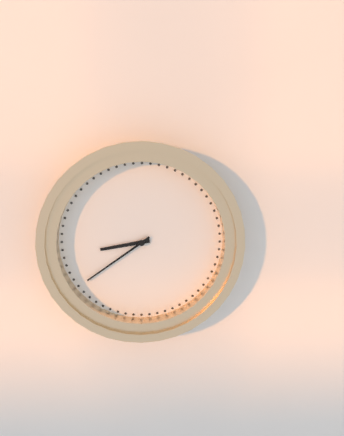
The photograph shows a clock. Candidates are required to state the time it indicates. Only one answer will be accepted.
8:39
